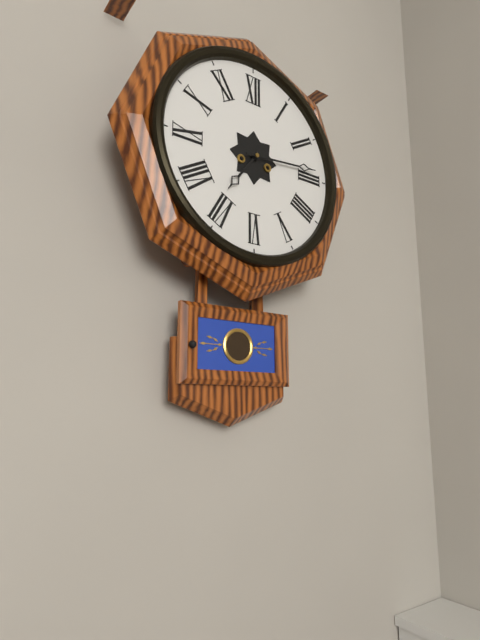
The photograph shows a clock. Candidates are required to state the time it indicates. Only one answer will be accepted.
7:14
